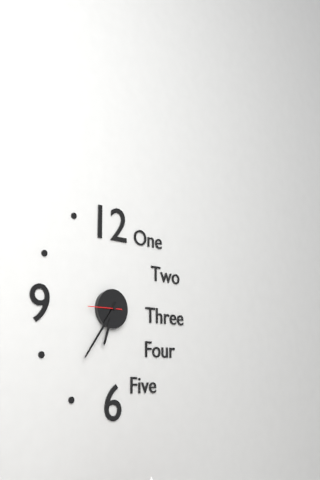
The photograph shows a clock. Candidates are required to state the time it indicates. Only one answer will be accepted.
6:36
